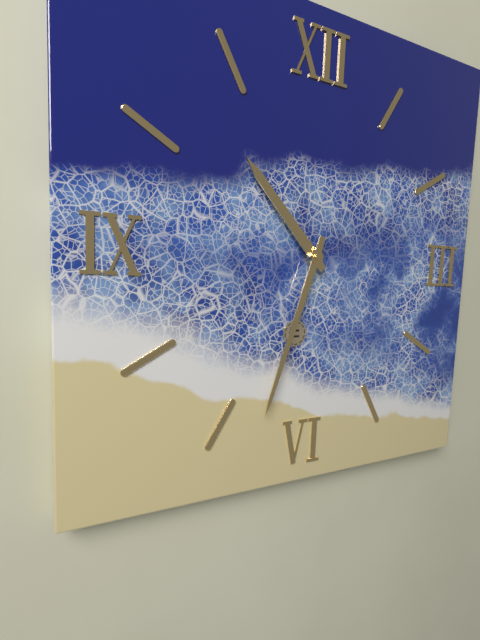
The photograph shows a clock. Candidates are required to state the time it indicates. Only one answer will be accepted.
10:33
